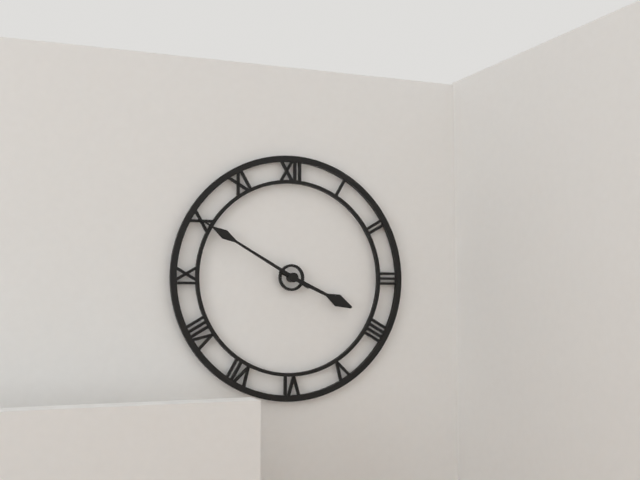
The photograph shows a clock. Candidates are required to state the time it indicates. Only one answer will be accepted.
3:50
